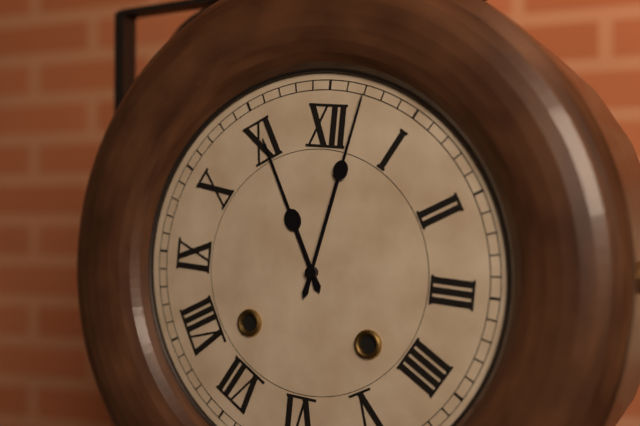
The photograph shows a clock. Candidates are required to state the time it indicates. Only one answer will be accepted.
11:02
